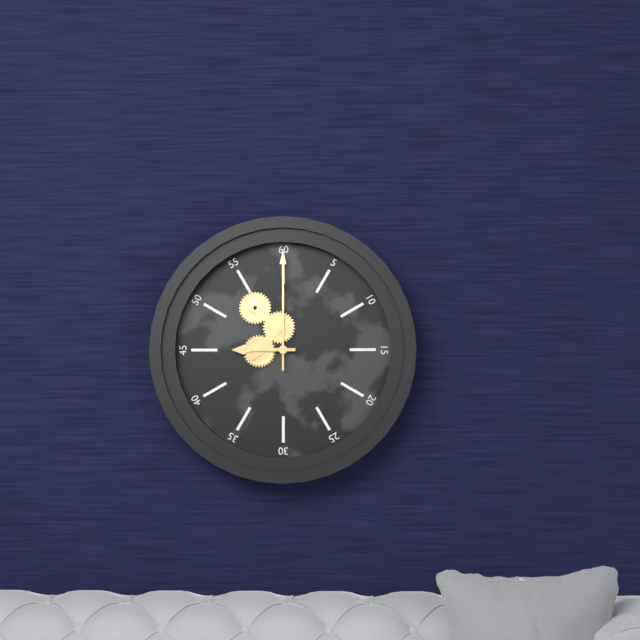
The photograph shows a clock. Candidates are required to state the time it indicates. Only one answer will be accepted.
9:00
